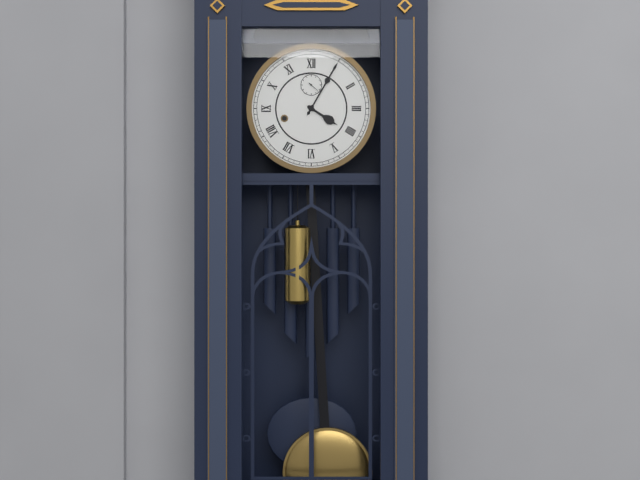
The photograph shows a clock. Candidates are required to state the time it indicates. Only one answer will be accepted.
4:05
